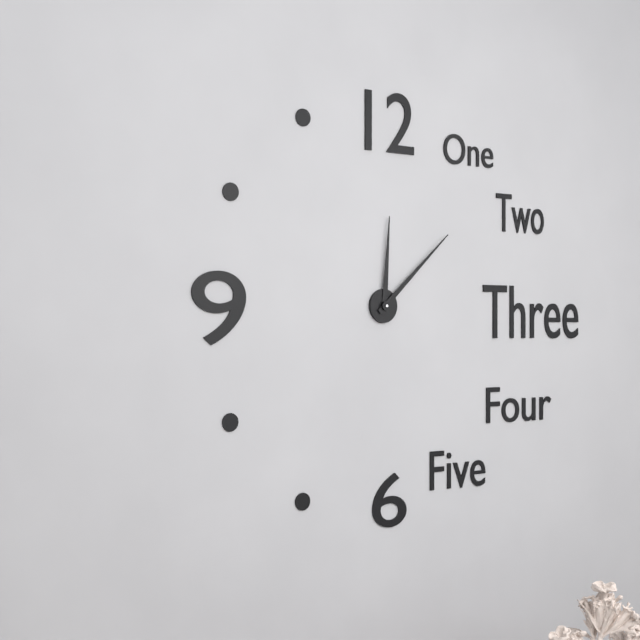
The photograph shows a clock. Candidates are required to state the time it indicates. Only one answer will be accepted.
12:08
